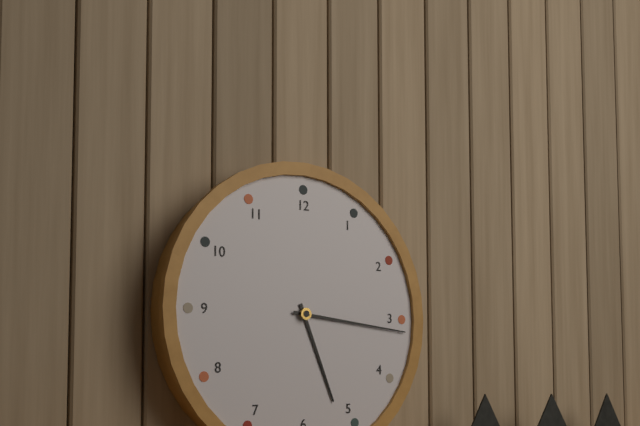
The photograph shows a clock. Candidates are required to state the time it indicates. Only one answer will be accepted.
5:16
